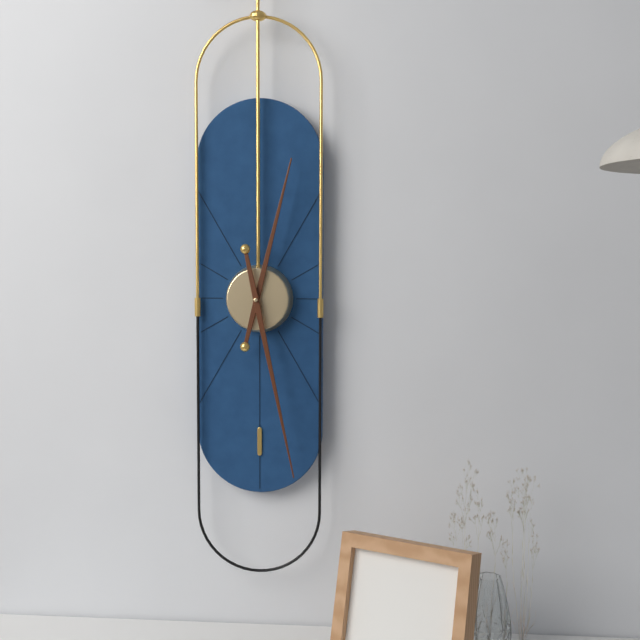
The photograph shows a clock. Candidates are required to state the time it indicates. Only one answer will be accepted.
12:28
